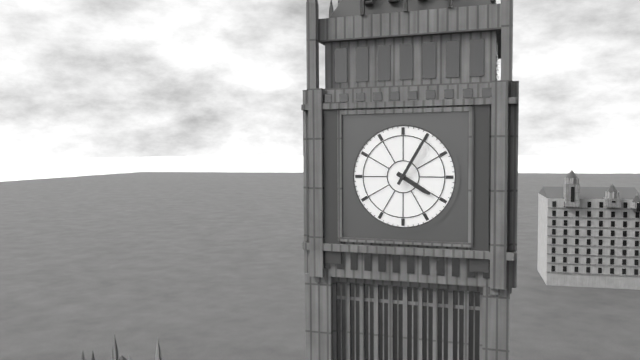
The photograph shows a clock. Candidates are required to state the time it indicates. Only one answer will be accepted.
4:05
